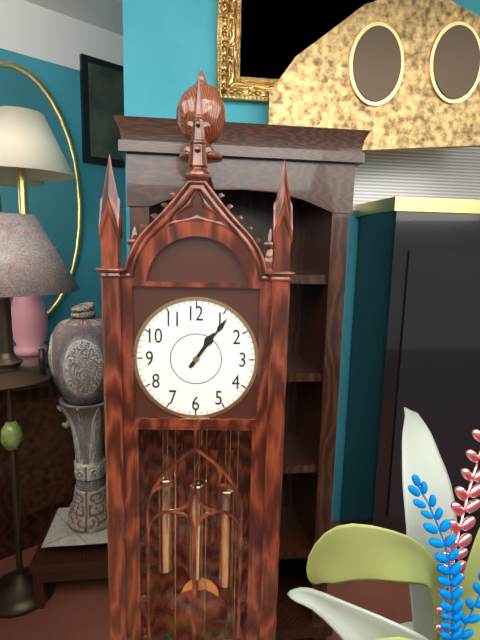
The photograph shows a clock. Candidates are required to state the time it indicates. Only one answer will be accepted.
1:06
